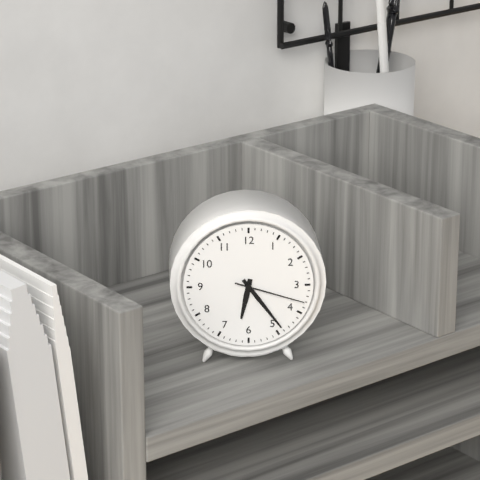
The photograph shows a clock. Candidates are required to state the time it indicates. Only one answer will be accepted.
6:24:18
